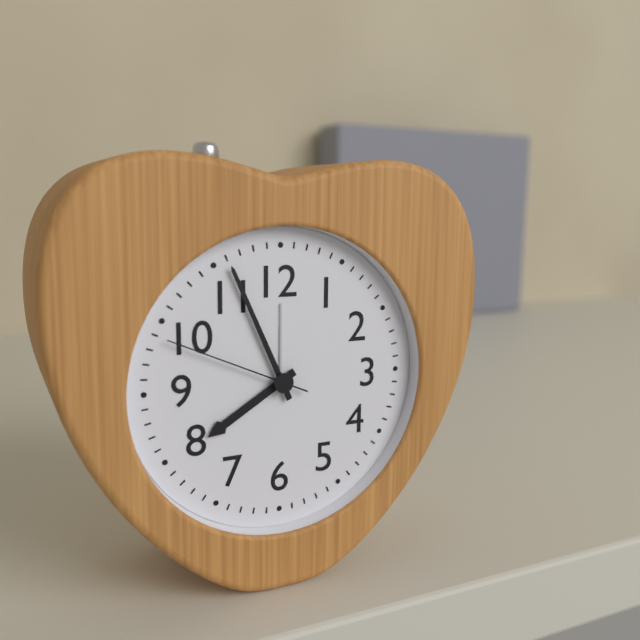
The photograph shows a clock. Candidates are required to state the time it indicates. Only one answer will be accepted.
7:56:49
